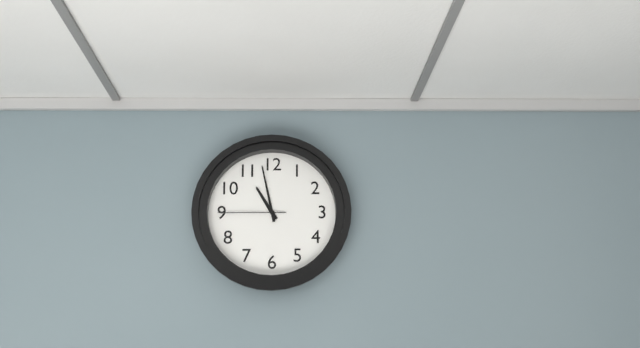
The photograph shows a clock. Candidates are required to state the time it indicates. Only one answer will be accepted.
10:58:45
